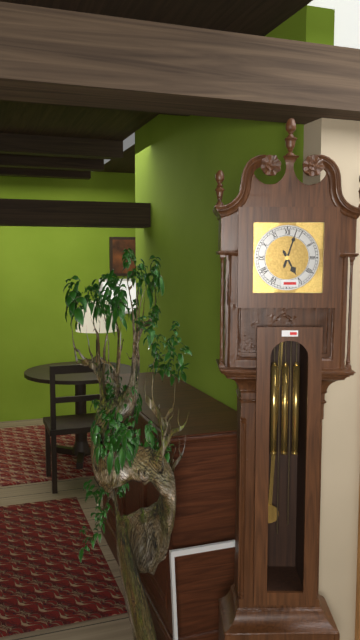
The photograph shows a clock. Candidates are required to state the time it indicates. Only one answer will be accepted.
5:03
